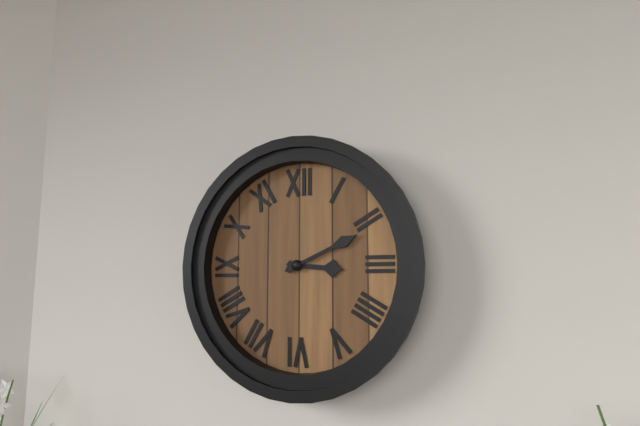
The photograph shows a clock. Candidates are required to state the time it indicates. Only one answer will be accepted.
3:11
